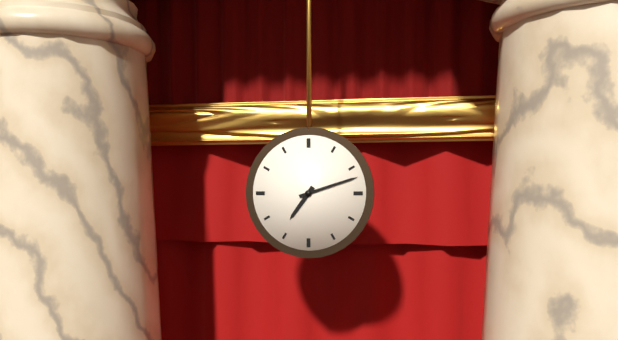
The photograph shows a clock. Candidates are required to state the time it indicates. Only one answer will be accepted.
7:12
